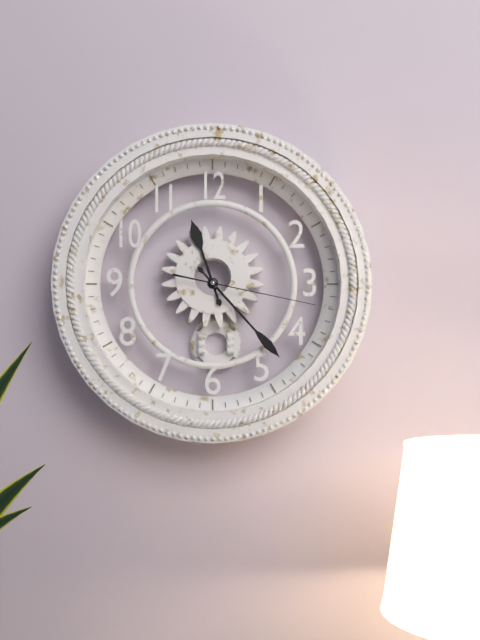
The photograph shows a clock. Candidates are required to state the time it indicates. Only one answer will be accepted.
11:23:17
